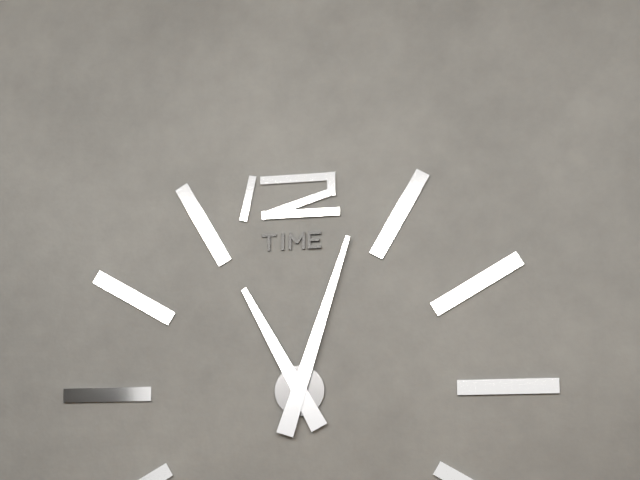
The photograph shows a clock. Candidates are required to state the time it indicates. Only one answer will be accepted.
11:03
